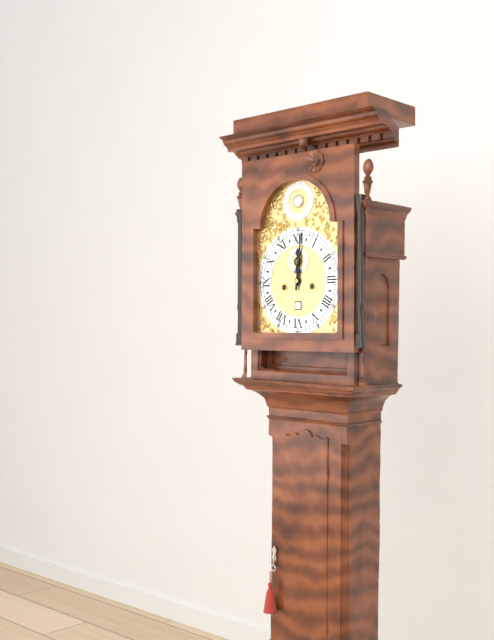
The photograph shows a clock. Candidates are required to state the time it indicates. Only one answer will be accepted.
12:01
